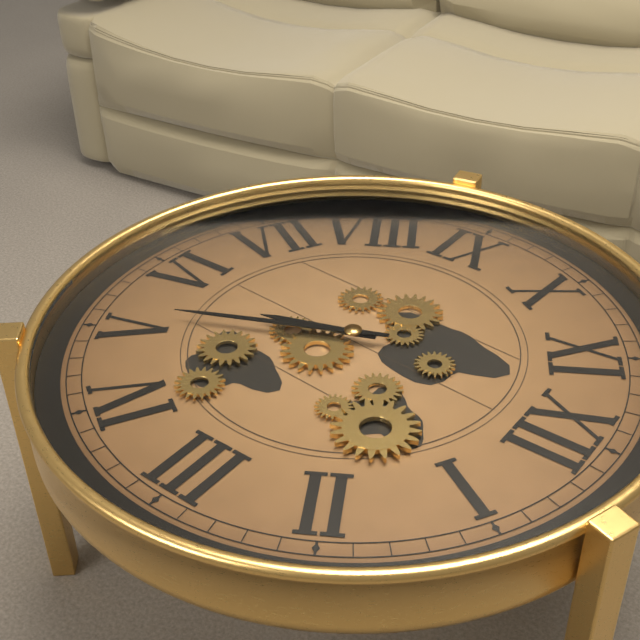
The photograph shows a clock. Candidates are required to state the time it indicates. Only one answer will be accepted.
5:26
